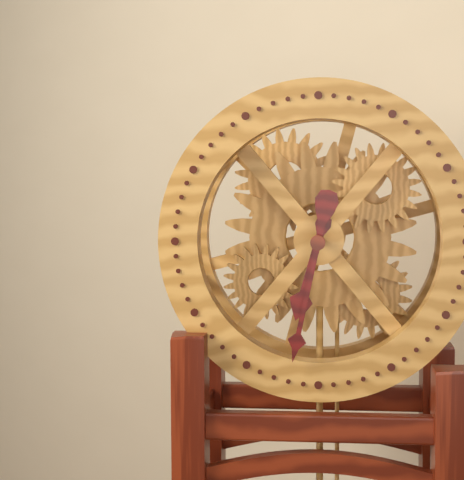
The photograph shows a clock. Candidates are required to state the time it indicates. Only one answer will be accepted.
6:32
